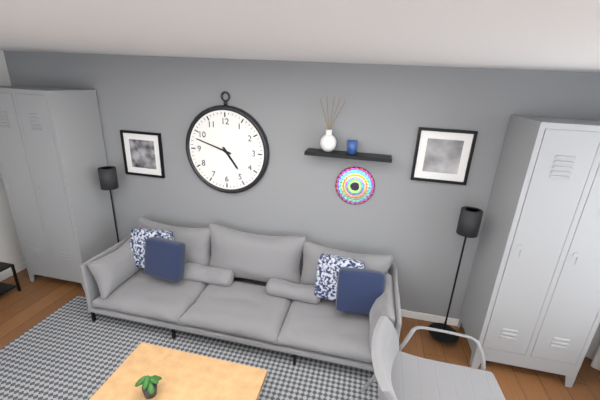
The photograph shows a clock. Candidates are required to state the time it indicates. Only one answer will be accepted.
4:48
